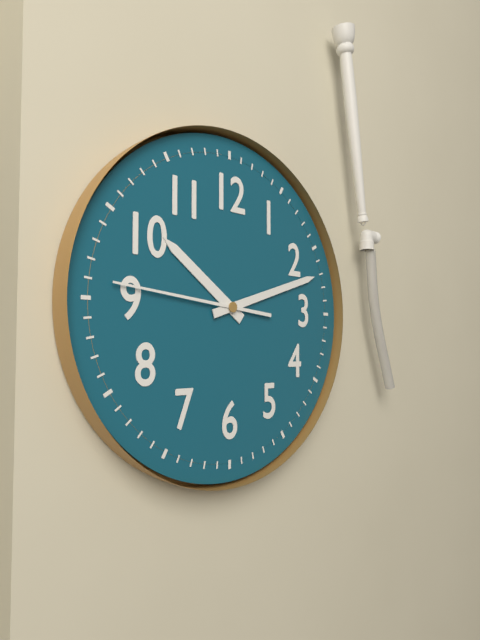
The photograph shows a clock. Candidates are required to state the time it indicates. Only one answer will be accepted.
10:12:46
